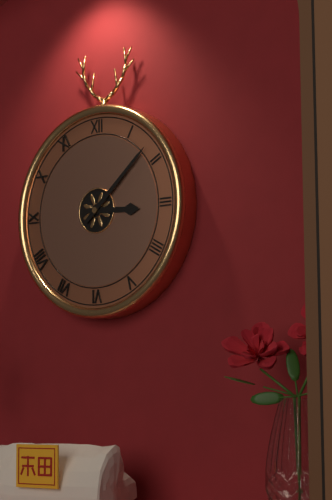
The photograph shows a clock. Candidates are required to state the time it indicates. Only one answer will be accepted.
3:08
